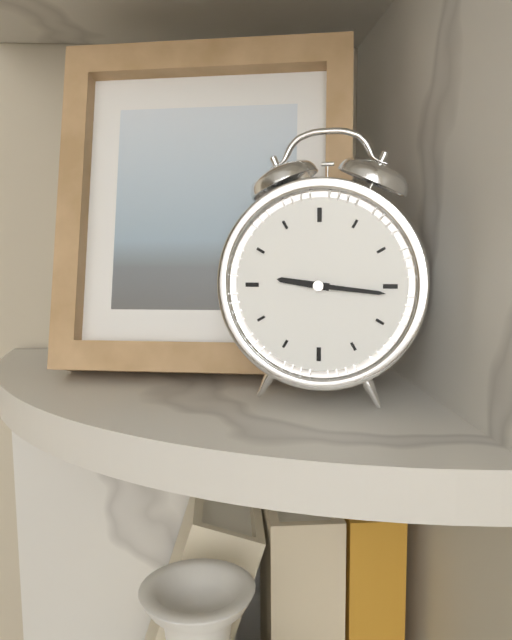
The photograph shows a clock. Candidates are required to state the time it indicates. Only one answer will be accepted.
9:16
